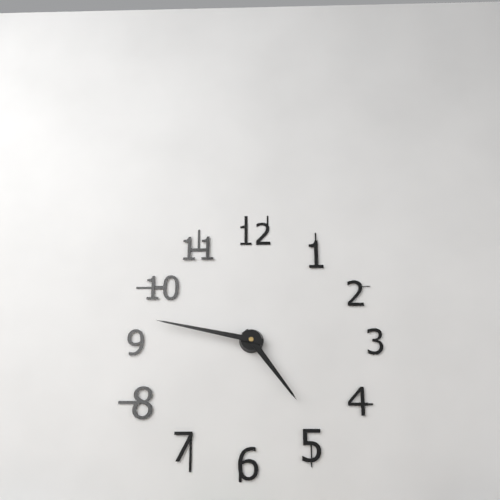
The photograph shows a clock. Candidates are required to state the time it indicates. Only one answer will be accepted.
4:47
